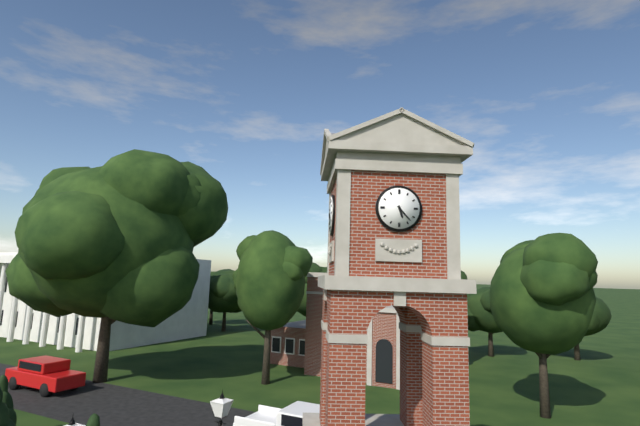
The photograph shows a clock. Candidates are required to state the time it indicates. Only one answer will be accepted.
5:23
